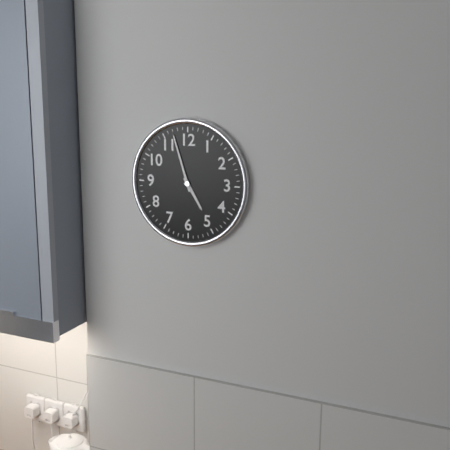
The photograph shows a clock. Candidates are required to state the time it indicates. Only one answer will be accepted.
4:57
